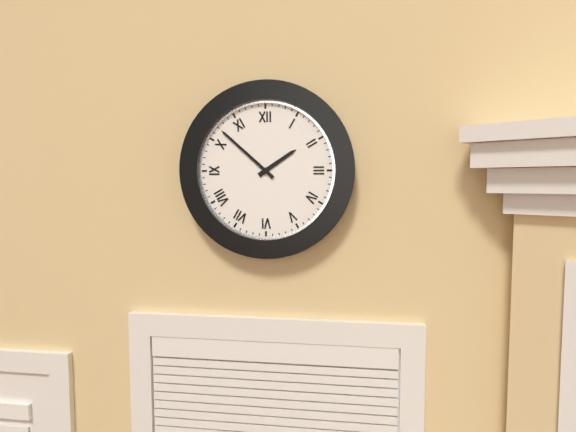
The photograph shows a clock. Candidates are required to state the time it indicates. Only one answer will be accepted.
1:52
